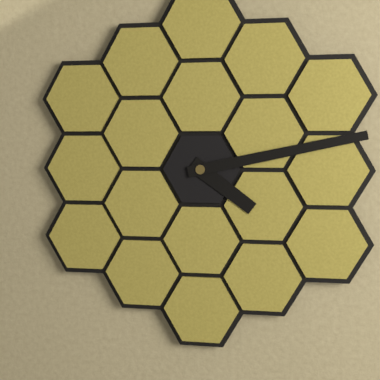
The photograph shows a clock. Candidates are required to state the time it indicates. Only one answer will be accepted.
4:13
